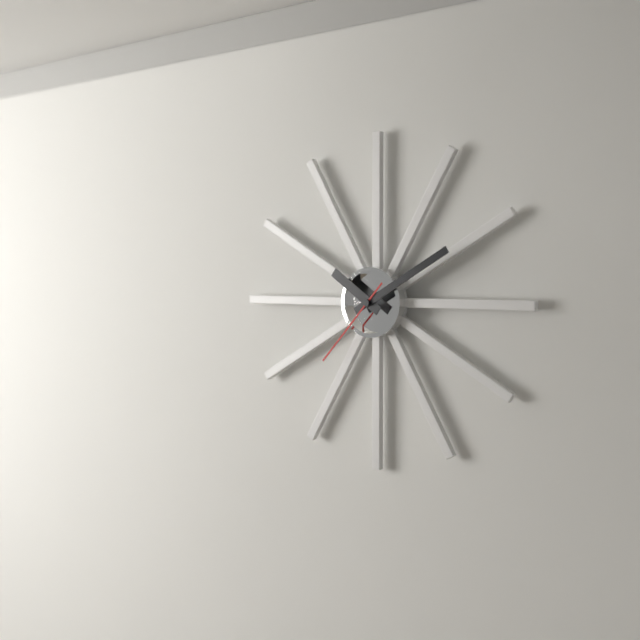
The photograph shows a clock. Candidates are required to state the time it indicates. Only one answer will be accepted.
10:10:37
